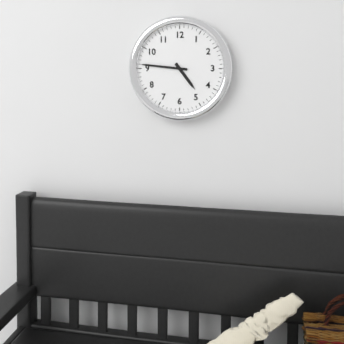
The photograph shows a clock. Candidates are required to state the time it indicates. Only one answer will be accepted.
4:46
